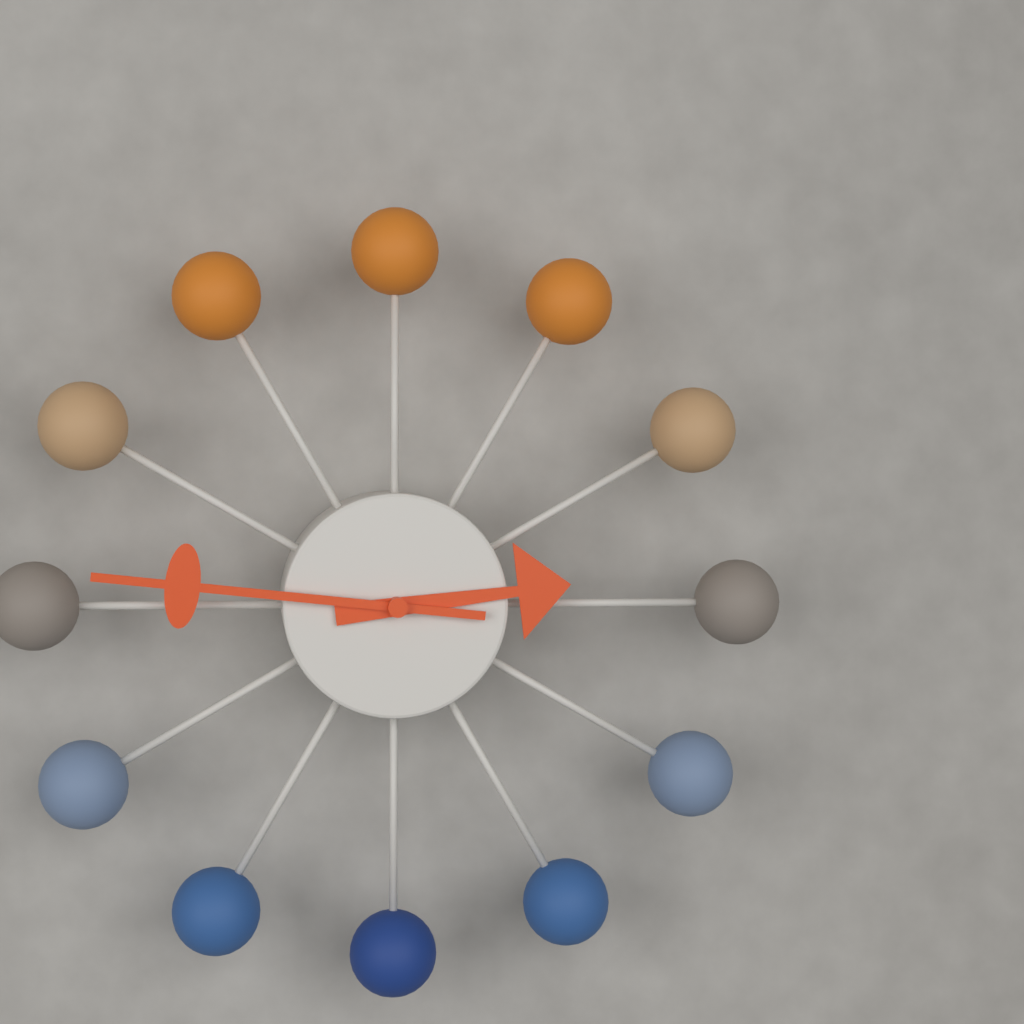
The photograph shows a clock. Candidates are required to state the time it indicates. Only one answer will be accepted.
2:46
